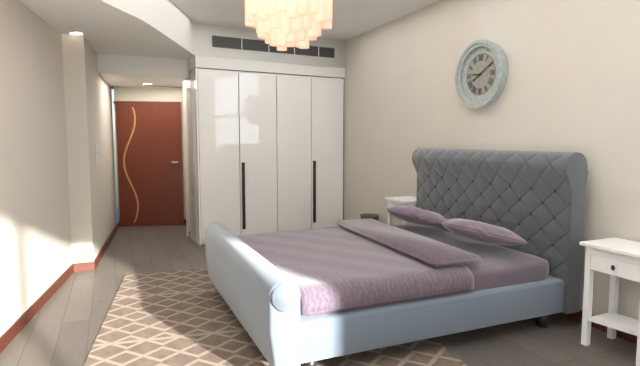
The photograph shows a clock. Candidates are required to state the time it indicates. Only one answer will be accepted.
9:10
